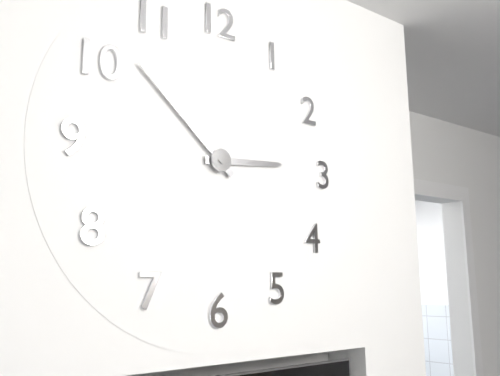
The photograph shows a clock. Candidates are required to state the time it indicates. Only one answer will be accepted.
2:52
